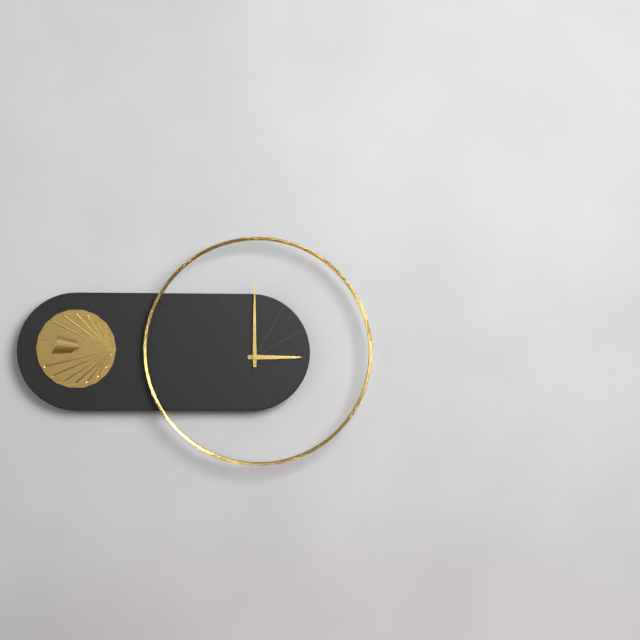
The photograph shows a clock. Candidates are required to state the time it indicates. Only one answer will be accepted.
3:00
